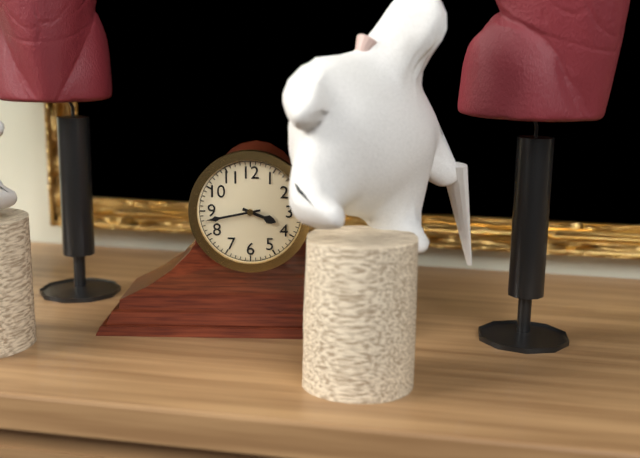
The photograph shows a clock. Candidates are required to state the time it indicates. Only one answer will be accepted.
3:43
